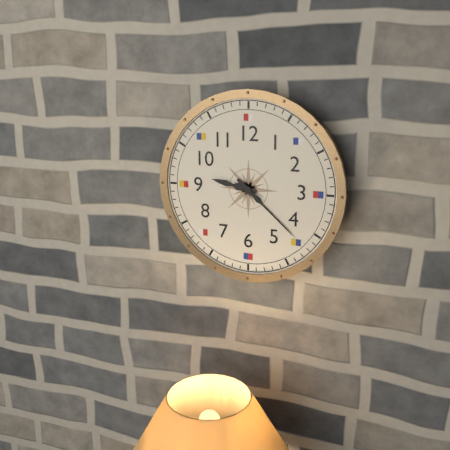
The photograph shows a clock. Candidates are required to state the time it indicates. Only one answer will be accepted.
9:22
